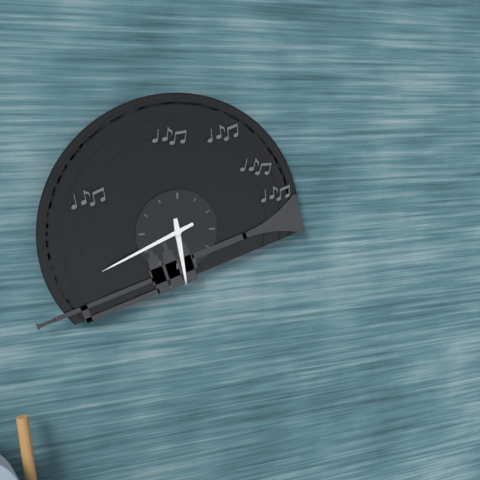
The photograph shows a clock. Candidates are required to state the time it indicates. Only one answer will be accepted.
5:41
